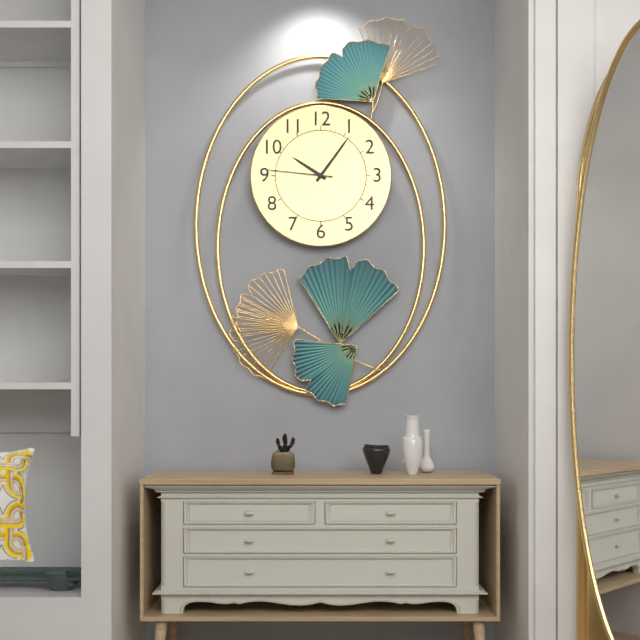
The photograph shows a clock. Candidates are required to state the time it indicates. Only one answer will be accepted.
10:06:46
